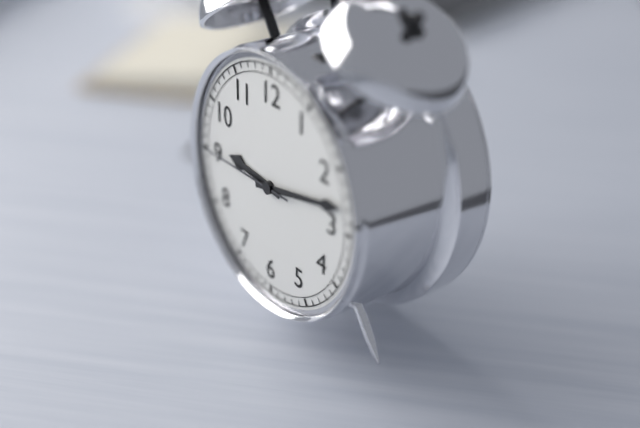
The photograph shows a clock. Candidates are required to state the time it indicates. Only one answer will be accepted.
9:13:45
